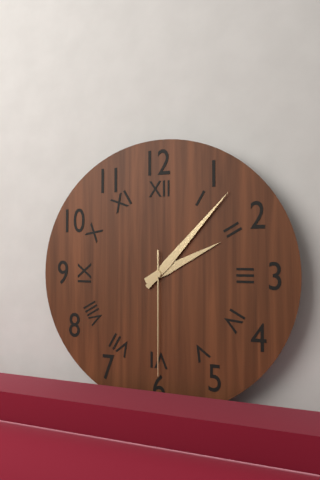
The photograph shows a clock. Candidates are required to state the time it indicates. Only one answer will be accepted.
2:07:30
